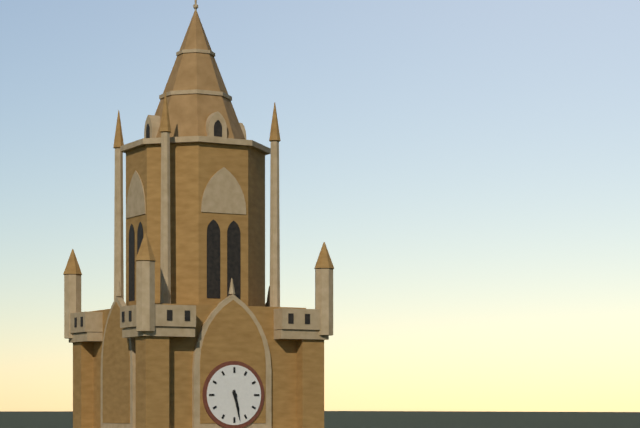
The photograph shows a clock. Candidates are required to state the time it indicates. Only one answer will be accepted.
5:28
